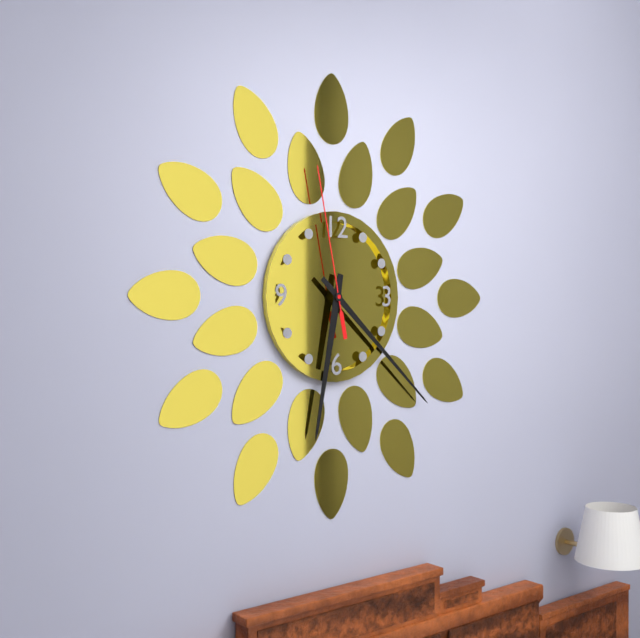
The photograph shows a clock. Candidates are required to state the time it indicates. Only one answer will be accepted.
6:22:58
